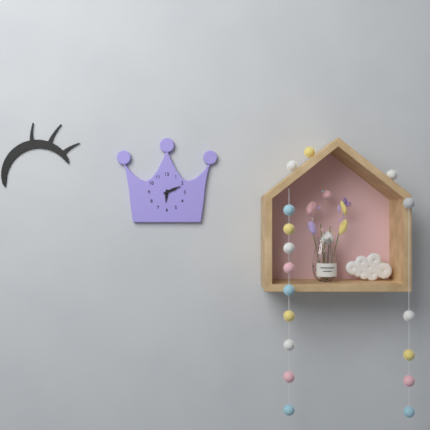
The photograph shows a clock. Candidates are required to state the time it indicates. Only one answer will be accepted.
6:11
